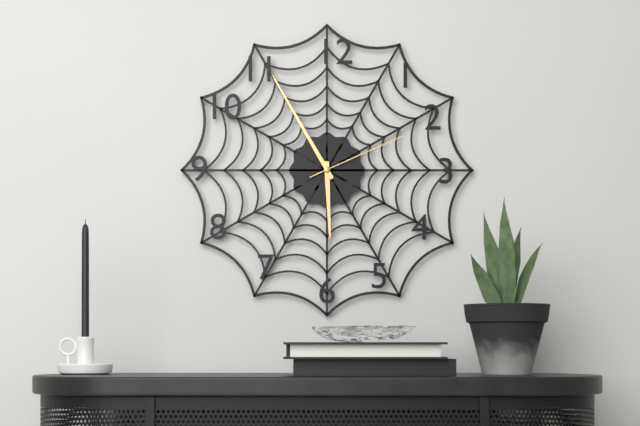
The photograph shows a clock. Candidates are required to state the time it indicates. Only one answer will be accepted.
5:55:11
